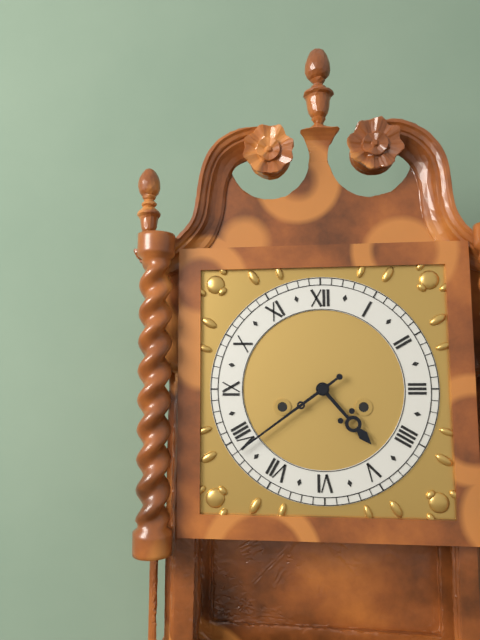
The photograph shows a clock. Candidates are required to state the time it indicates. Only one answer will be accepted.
4:39
